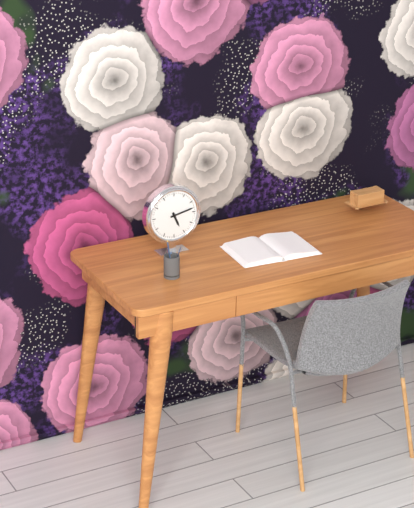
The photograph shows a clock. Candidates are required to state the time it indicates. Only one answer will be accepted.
5:13
